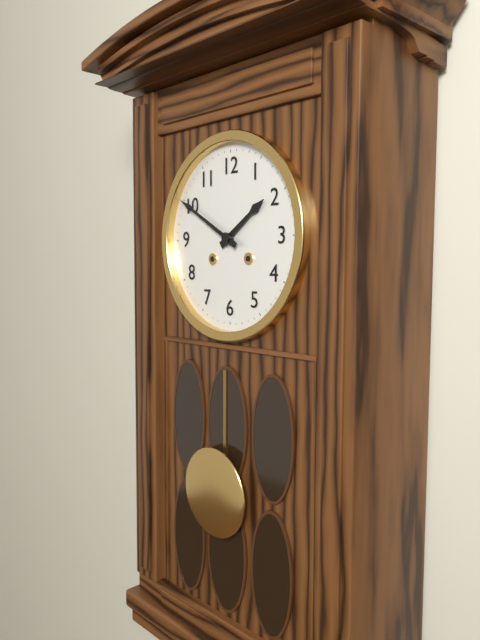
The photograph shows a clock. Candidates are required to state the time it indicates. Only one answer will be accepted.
1:50
